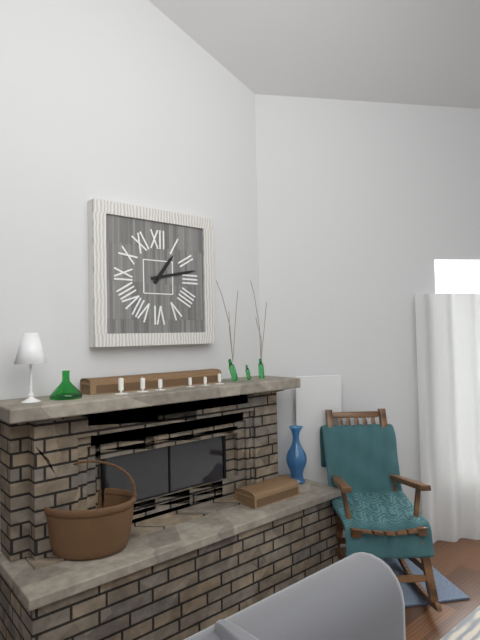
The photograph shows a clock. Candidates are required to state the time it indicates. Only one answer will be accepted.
1:13
